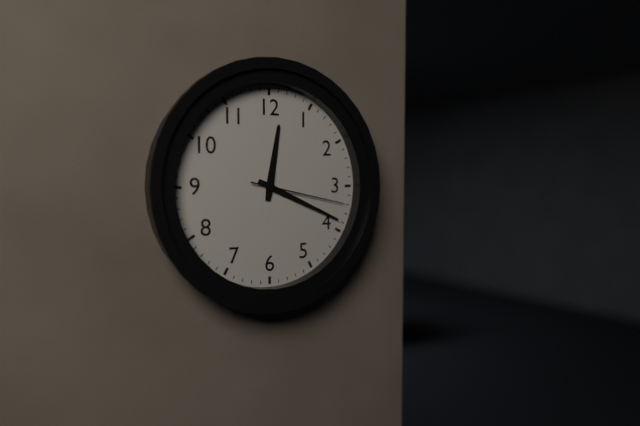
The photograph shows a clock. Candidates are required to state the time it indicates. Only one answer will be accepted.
12:19:17
